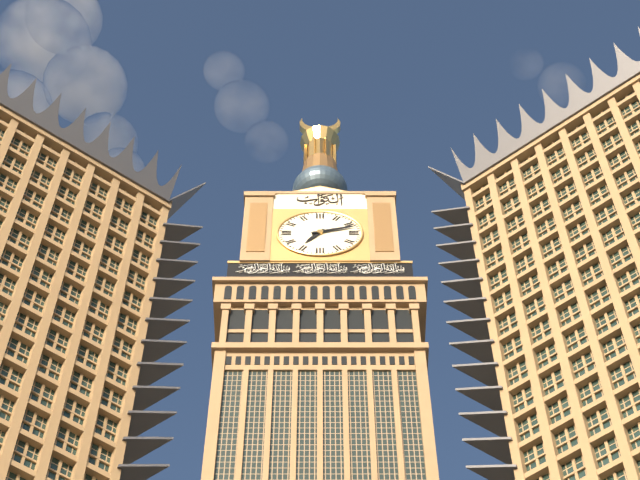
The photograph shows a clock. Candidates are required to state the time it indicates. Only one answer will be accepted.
7:12
